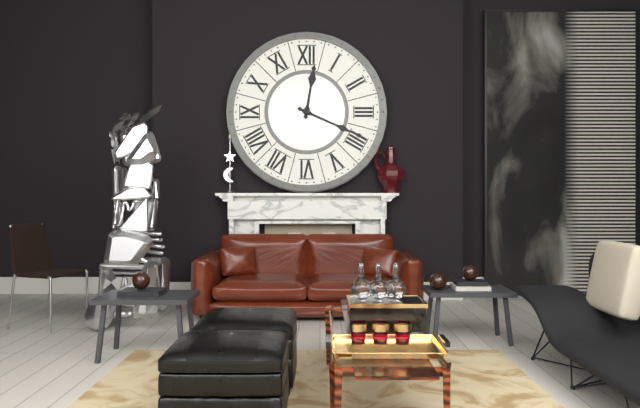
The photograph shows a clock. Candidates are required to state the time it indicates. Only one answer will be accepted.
12:19
